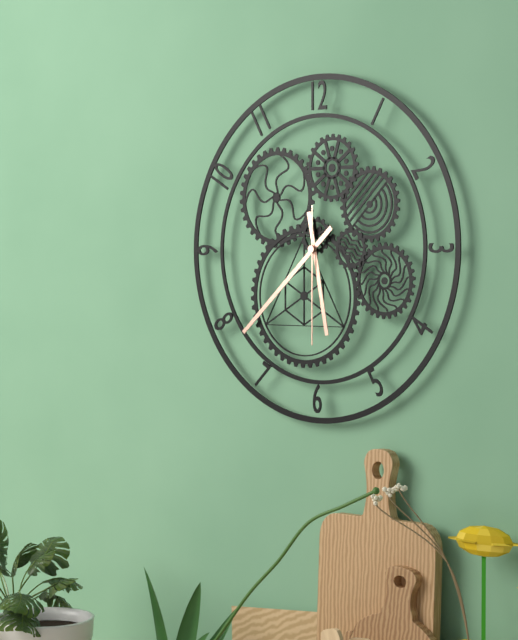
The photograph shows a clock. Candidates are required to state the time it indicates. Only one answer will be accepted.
5:38:30
